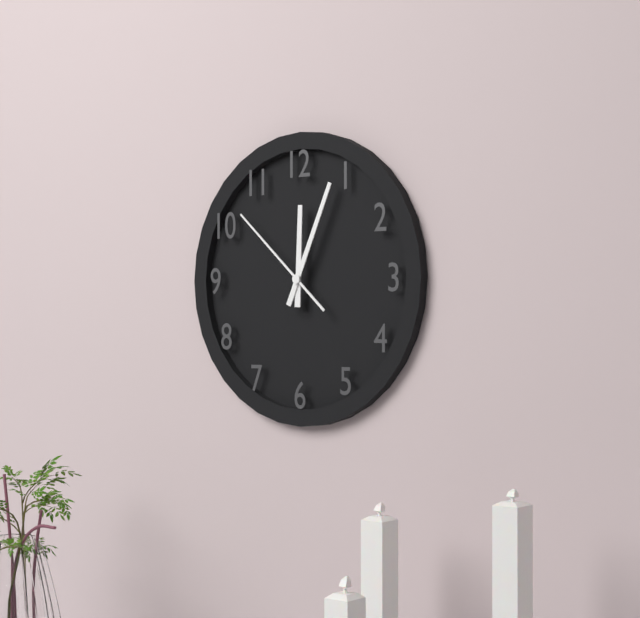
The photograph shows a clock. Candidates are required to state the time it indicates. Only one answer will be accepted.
12:04:52
